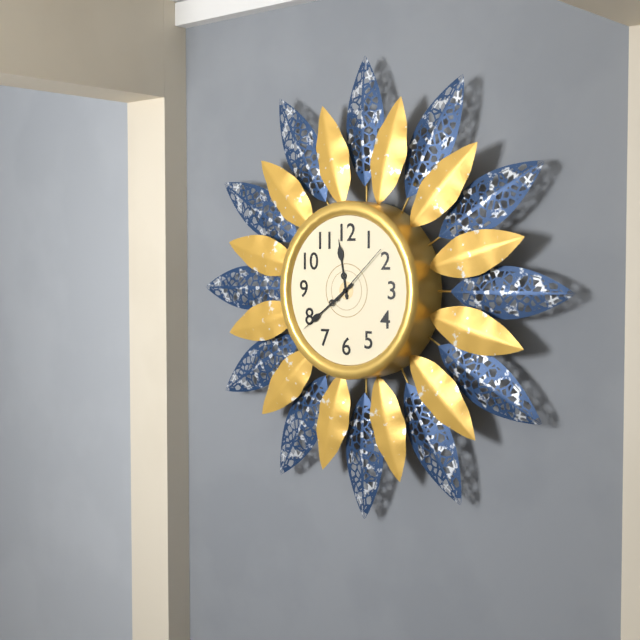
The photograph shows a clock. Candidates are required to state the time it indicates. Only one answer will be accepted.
11:39:08
